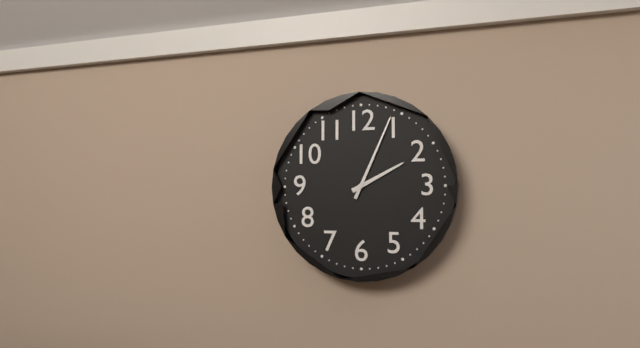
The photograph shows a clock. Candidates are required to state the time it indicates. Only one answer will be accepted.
2:04
